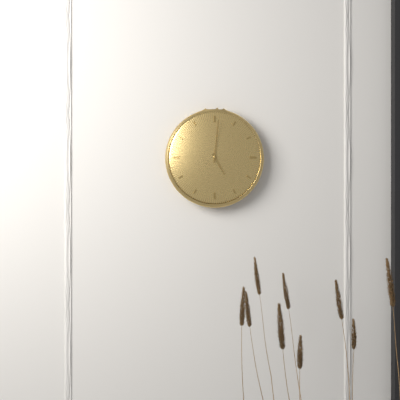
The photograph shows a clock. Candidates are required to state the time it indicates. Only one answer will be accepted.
5:01
